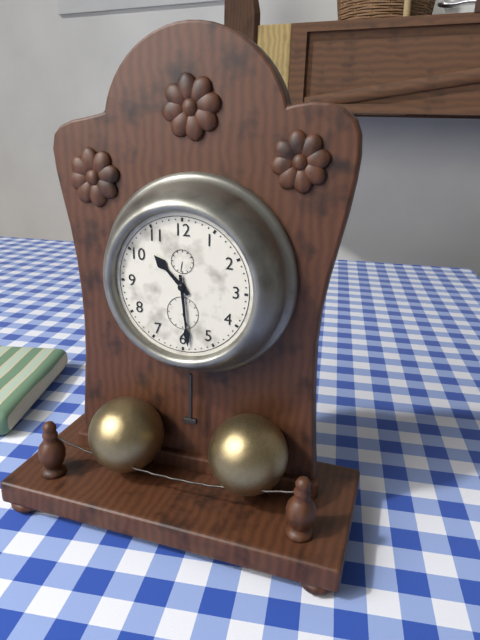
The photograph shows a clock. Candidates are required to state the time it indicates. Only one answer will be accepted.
10:29
